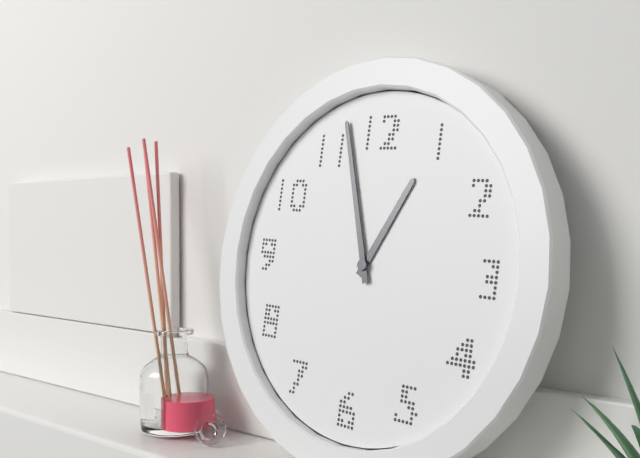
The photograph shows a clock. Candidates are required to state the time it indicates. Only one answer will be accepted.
12:57
